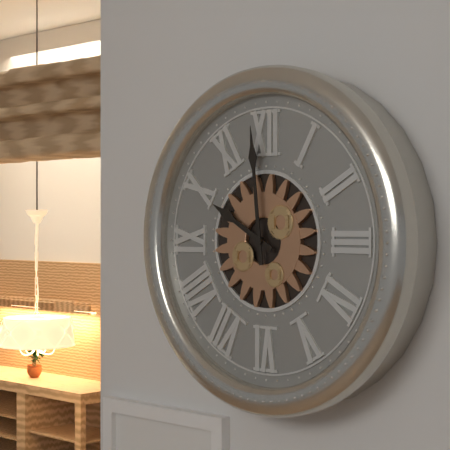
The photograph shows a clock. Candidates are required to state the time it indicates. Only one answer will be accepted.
9:59
